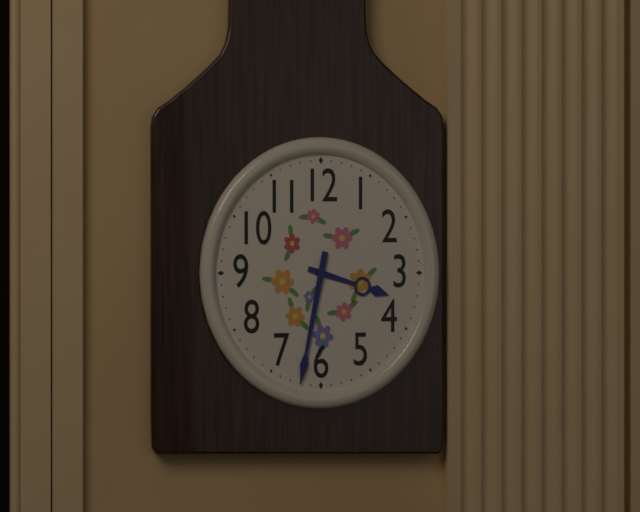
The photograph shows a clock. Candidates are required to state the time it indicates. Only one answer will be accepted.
3:32
